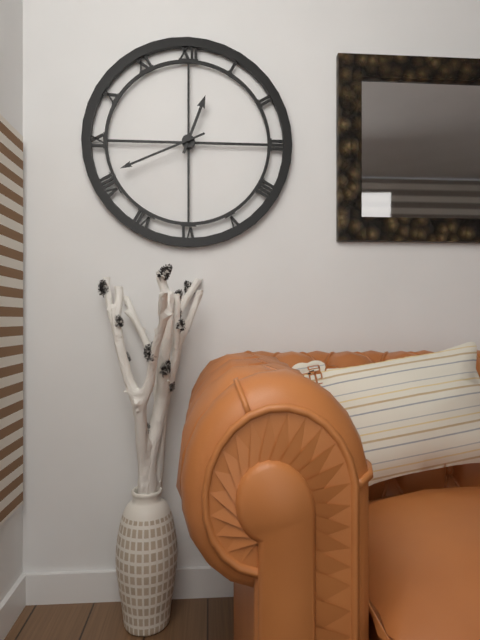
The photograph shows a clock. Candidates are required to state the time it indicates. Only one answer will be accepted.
12:41
